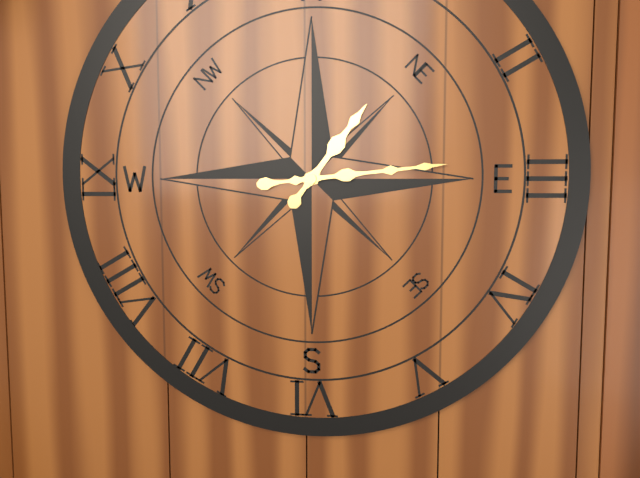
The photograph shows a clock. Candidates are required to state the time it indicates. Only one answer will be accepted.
1:14
